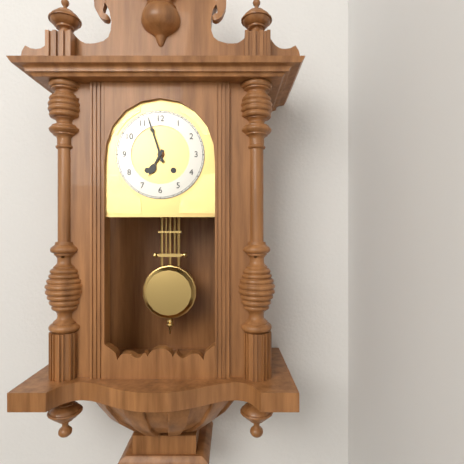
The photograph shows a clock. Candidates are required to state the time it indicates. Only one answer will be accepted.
6:57
